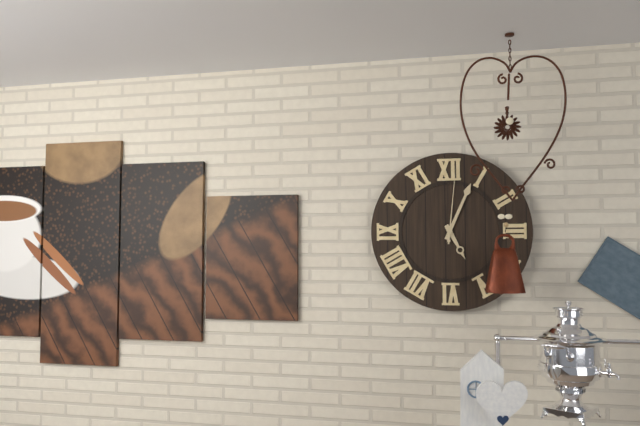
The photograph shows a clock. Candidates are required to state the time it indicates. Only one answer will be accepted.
5:04:01
